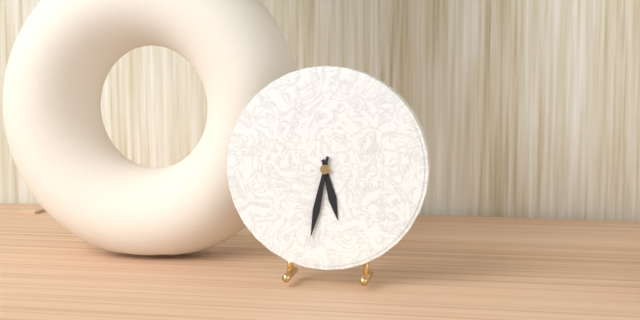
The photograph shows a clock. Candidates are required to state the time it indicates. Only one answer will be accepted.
5:32
